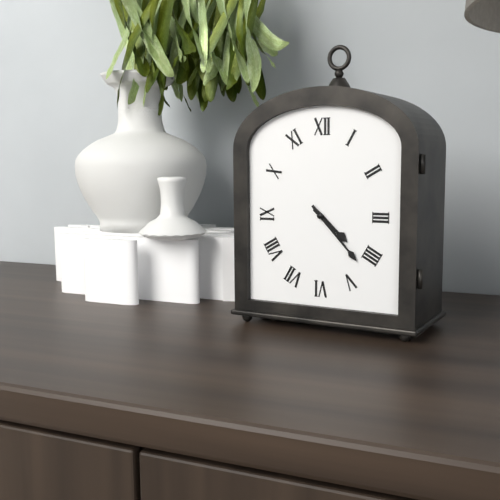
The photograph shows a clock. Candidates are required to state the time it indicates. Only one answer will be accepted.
4:23
